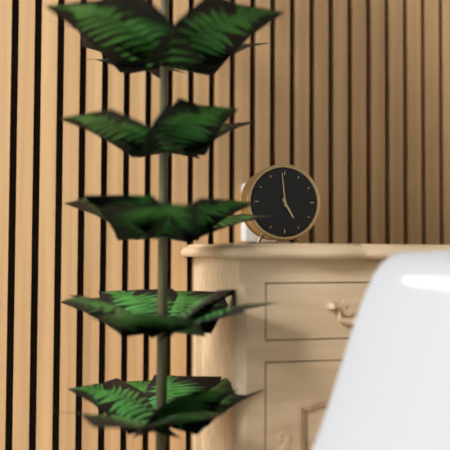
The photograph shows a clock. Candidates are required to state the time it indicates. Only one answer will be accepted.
4:59
